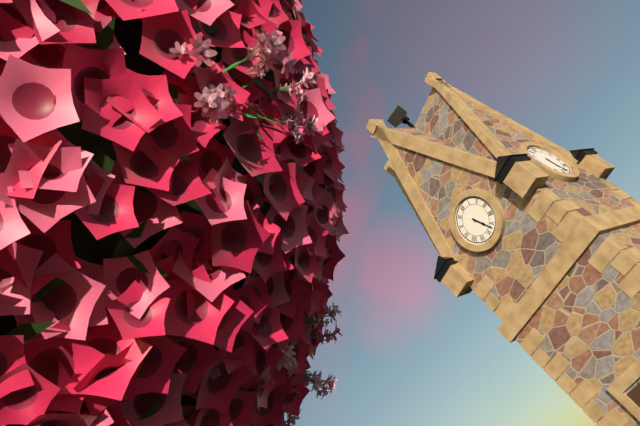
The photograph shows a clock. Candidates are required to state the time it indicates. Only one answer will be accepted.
5:27
